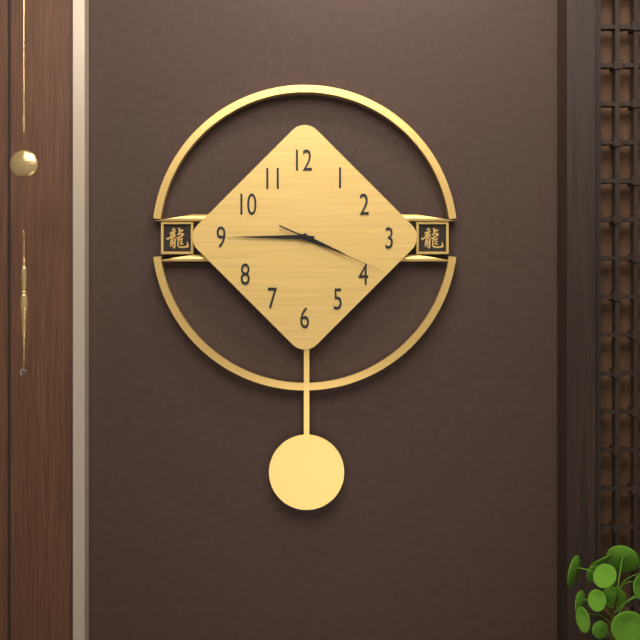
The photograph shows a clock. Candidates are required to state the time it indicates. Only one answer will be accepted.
3:45:19
